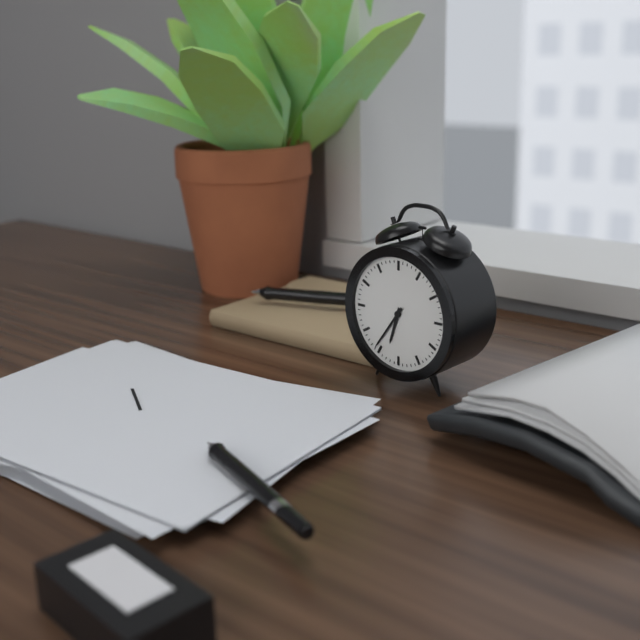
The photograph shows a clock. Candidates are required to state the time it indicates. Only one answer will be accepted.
6:36
